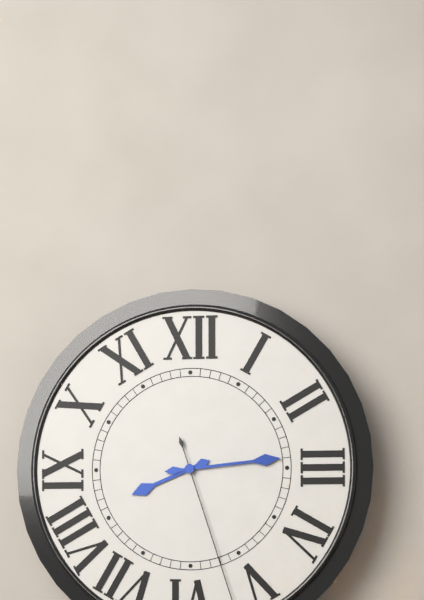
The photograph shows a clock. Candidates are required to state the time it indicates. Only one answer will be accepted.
8:14
